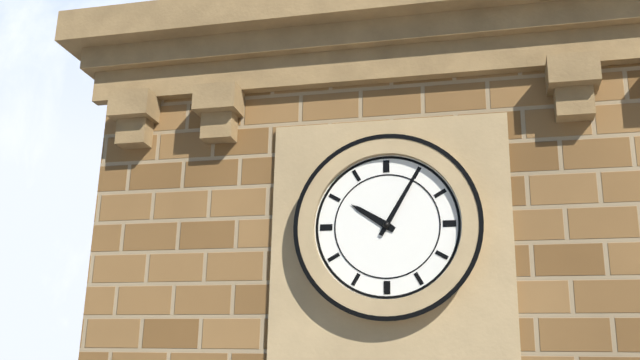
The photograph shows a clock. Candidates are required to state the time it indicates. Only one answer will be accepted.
10:05
